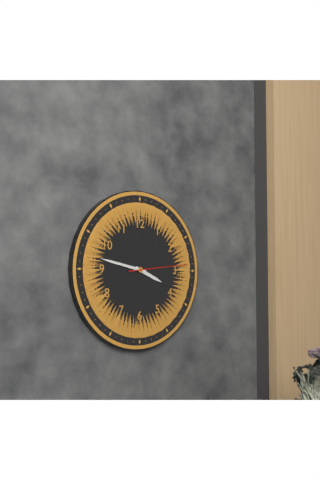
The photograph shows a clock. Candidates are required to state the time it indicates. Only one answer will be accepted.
3:47:14
